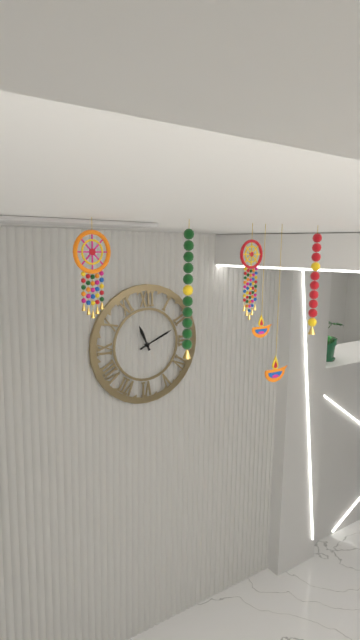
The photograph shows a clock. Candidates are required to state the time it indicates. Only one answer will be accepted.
11:11
